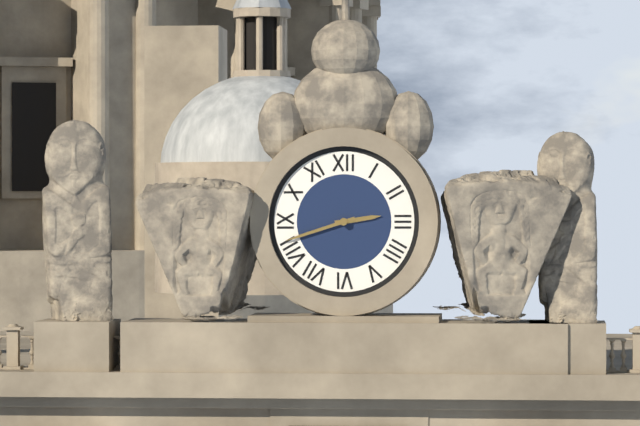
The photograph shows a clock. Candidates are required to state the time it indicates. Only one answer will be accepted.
2:42
